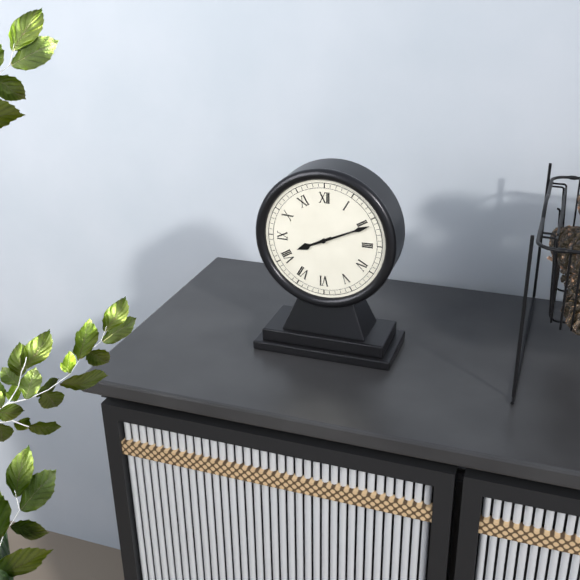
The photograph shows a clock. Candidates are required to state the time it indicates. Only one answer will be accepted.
8:11
